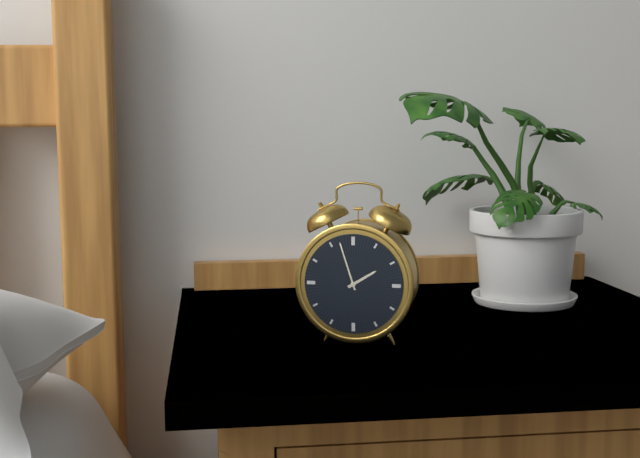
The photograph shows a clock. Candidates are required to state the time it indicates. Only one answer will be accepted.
1:57
